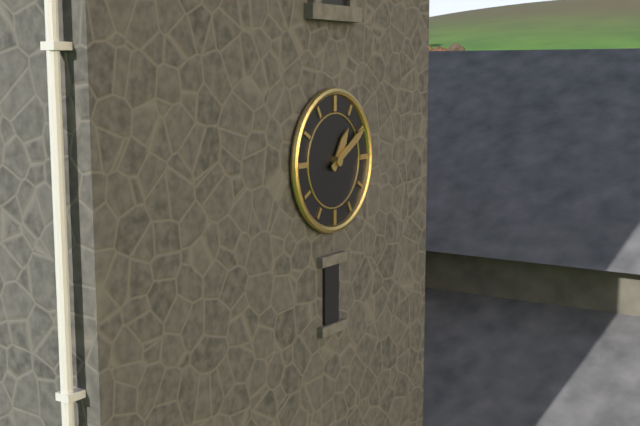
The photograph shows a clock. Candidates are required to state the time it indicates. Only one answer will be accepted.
1:10
